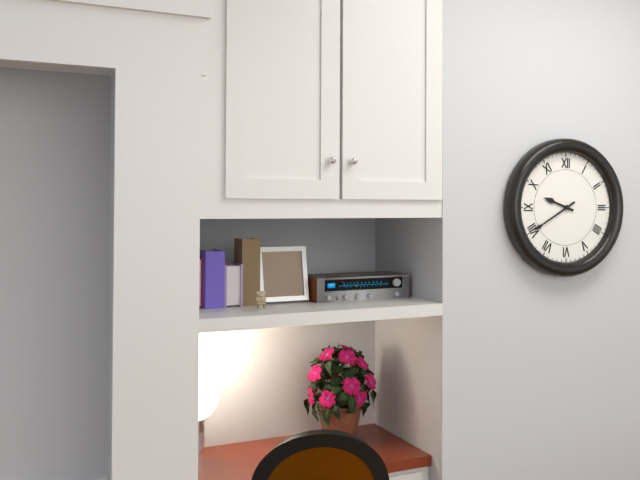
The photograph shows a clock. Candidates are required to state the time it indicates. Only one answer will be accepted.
9:40
